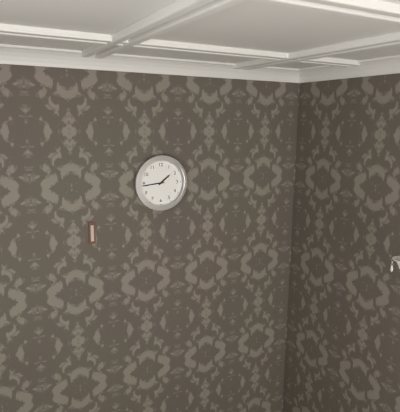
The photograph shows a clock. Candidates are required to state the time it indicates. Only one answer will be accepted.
1:44
